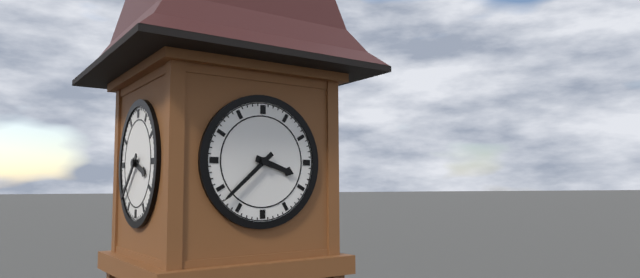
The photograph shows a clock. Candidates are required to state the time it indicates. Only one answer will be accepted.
3:38
